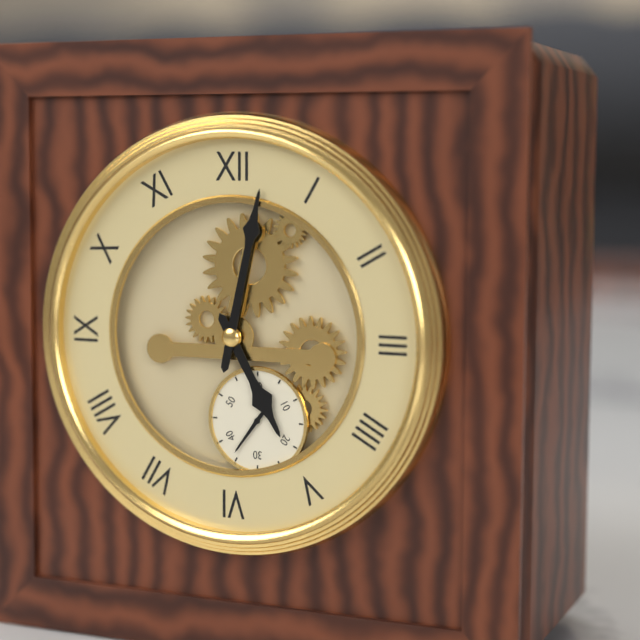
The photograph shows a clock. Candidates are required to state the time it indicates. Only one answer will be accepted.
5:02
